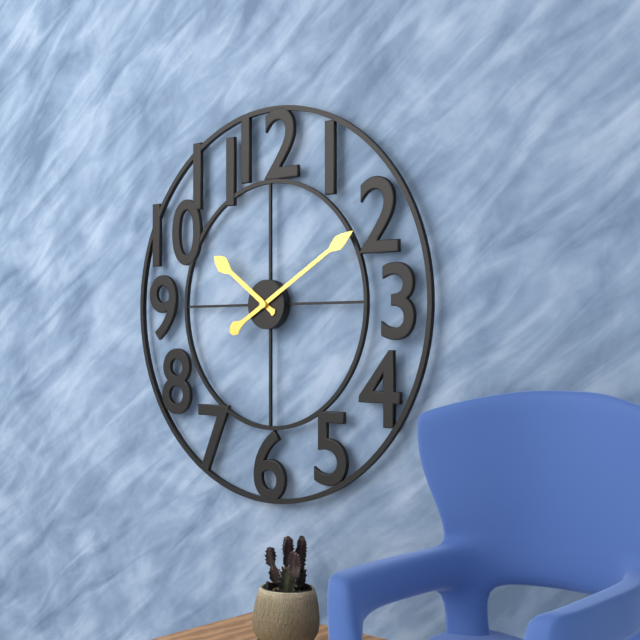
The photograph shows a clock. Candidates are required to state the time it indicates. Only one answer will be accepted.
10:10
